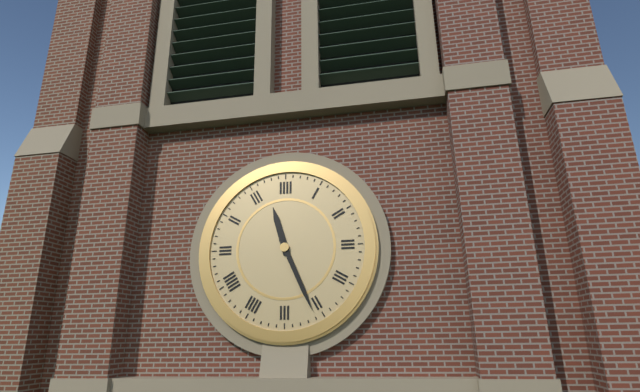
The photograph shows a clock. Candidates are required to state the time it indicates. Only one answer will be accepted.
11:26
